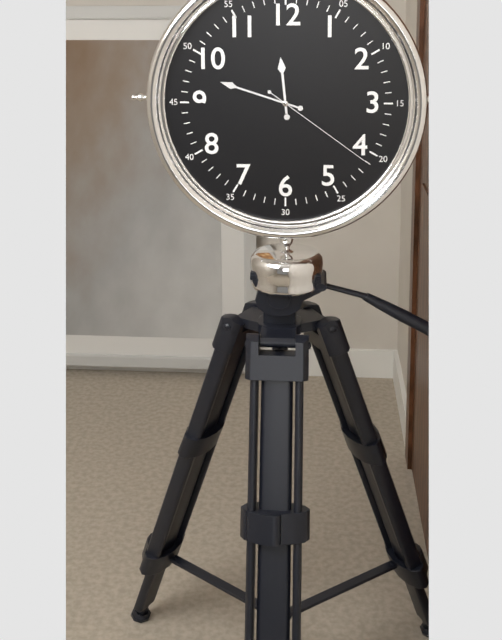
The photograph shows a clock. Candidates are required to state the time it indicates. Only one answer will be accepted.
11:48:21
